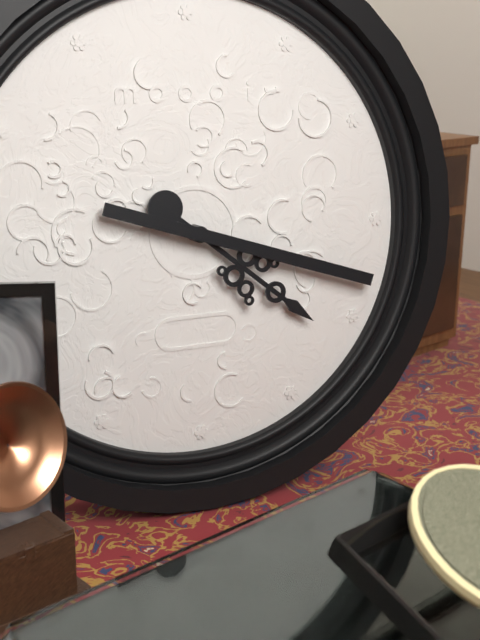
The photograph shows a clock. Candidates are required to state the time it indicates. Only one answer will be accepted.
4:18
